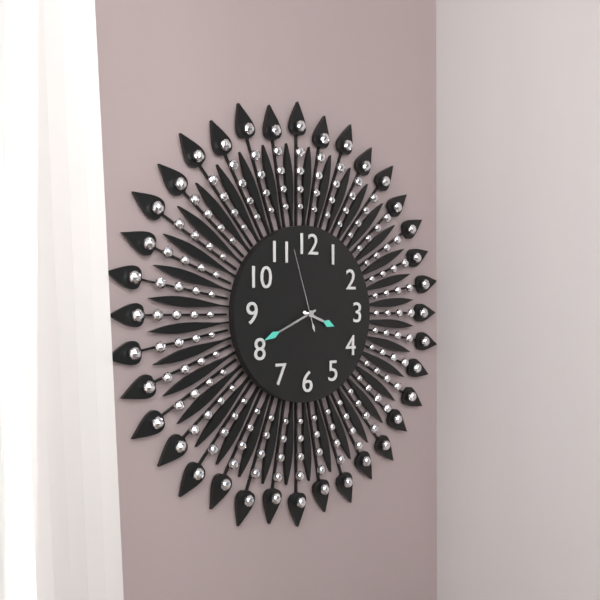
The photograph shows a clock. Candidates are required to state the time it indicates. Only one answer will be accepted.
3:41:57
